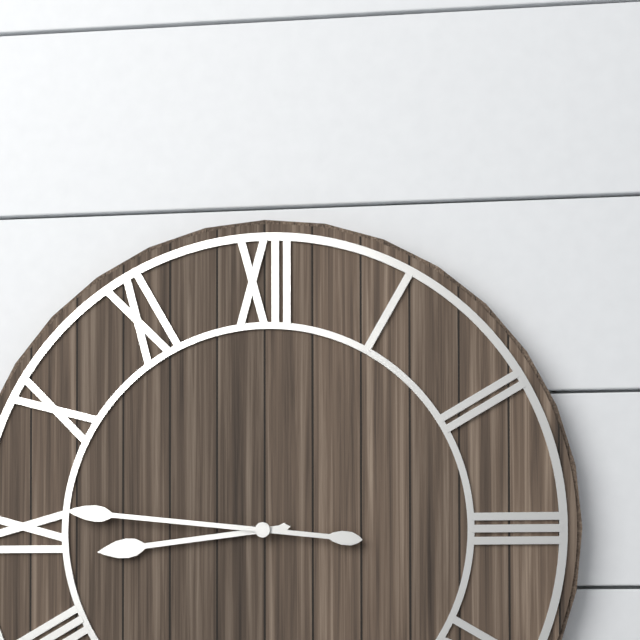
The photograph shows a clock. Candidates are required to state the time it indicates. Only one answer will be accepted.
8:46
